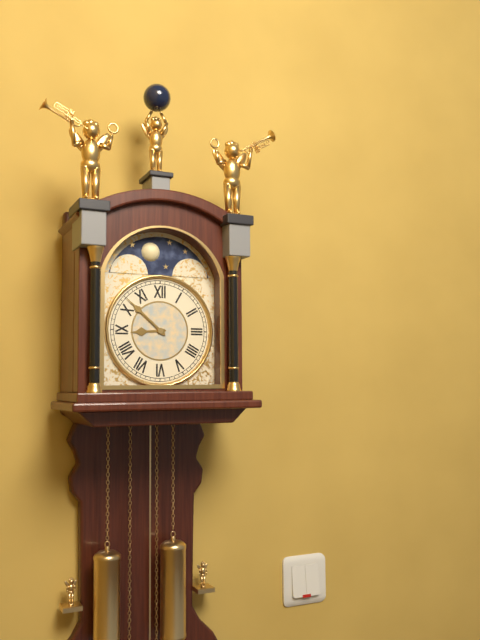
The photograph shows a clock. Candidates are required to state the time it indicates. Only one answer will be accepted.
8:52
